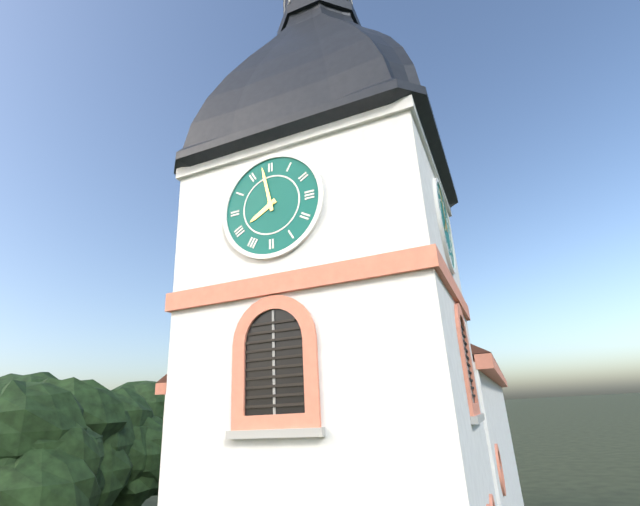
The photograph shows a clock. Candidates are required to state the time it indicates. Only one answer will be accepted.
7:58
